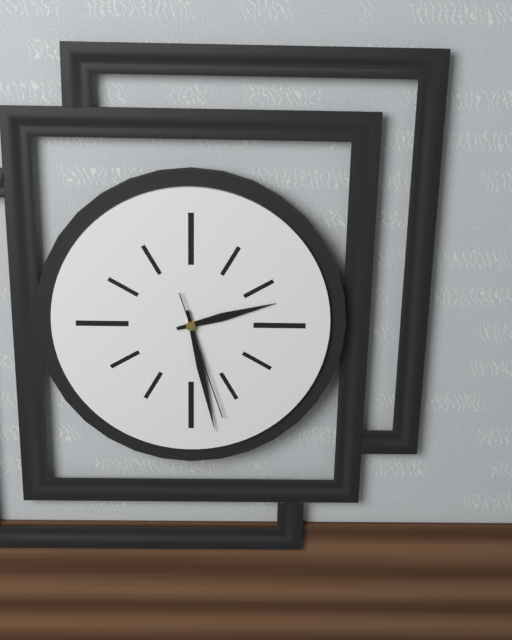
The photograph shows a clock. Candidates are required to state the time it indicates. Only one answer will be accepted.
2:28:27
